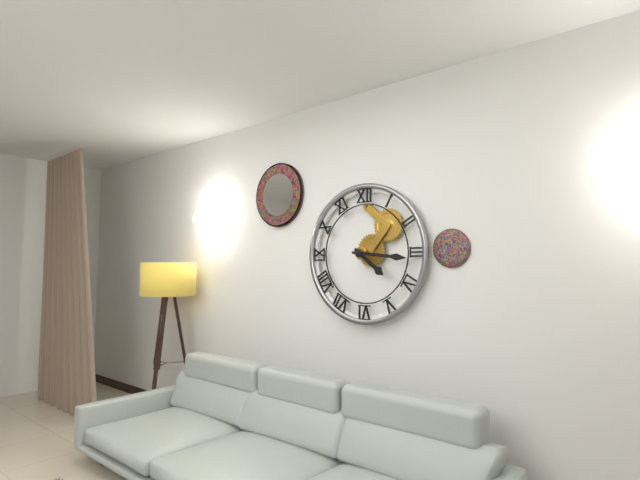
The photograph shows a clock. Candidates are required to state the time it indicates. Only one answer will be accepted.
4:16
